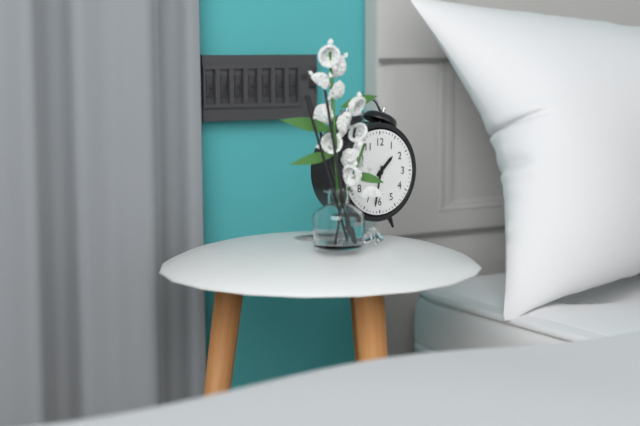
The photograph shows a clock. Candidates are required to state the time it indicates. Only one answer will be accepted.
1:32
